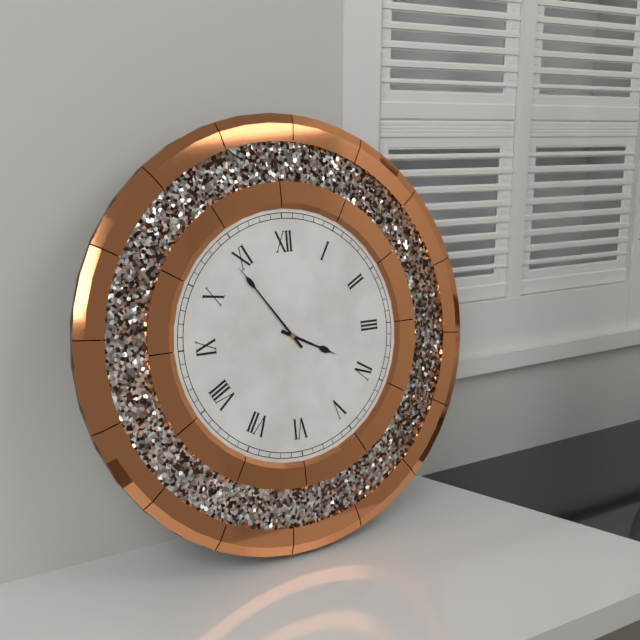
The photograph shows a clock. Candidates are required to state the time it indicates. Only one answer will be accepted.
3:54
